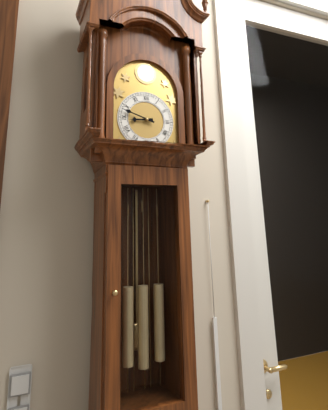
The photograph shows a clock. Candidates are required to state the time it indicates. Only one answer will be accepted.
8:48
